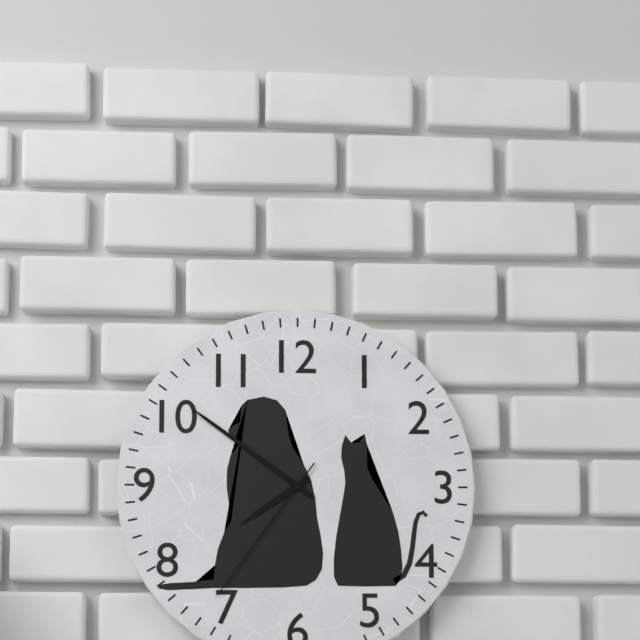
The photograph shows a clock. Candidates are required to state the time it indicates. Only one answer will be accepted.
7:51:36
